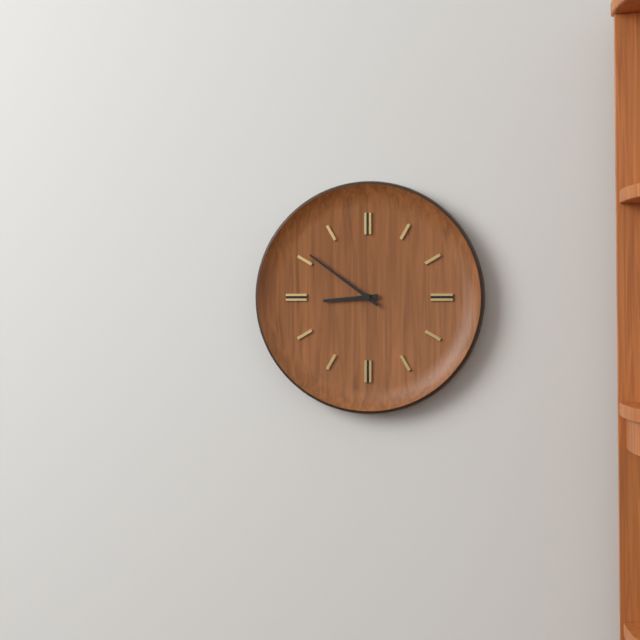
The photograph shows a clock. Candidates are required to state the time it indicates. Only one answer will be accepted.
8:51
